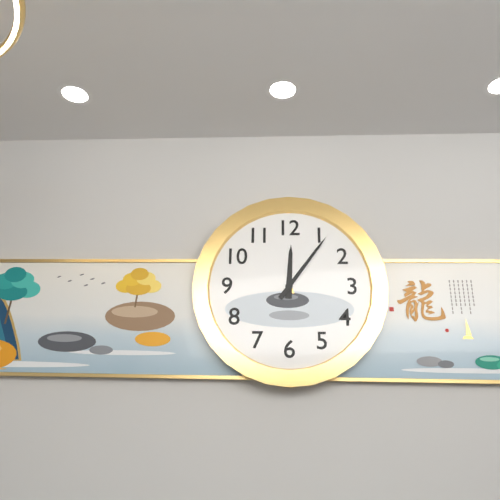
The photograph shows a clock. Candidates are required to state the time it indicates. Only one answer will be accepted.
12:06
